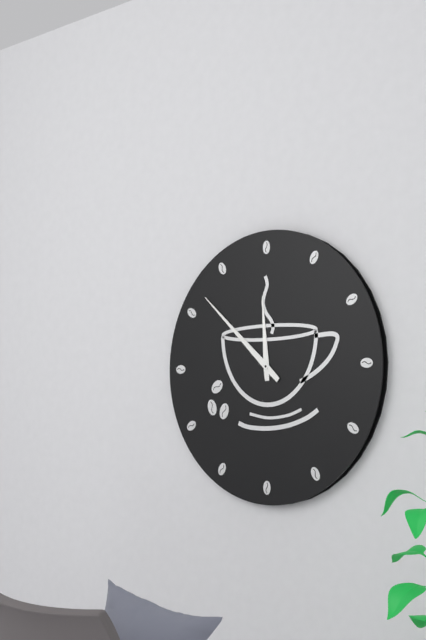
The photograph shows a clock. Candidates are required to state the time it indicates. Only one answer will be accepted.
11:52
